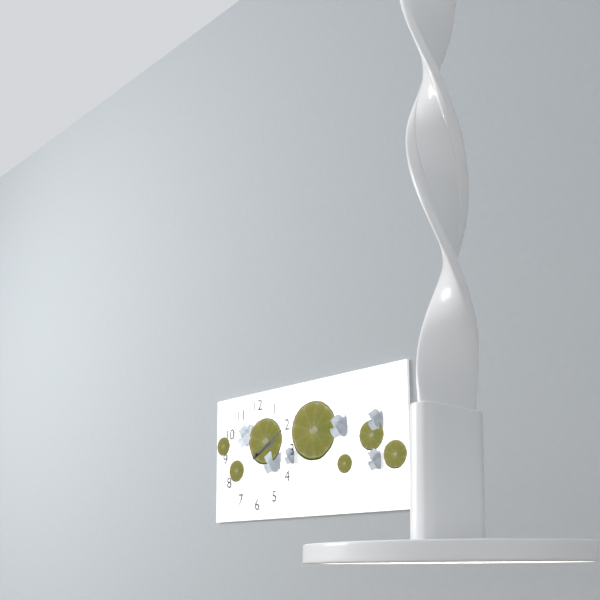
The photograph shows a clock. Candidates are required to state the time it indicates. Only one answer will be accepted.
2:10
